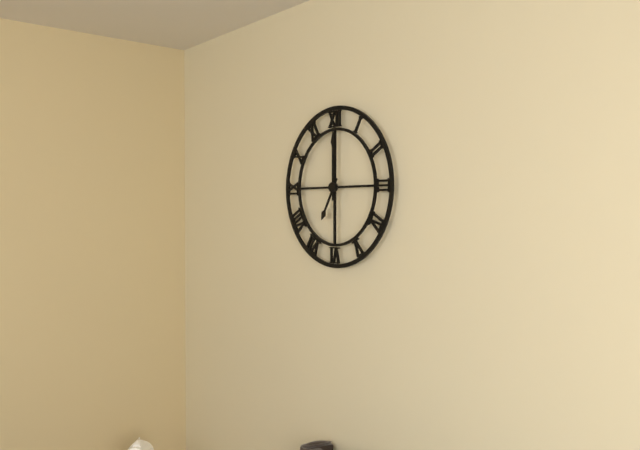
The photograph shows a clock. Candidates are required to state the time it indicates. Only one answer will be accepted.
7:00
